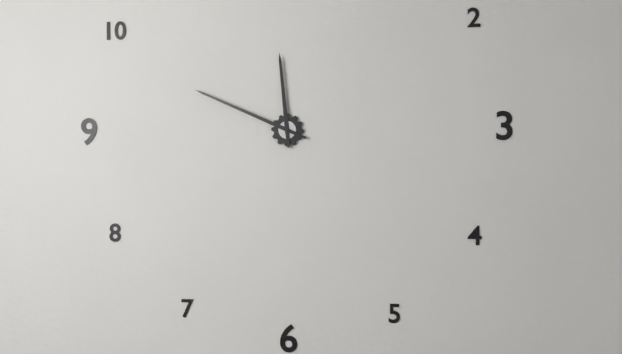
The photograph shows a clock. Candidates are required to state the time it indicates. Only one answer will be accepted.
11:49
